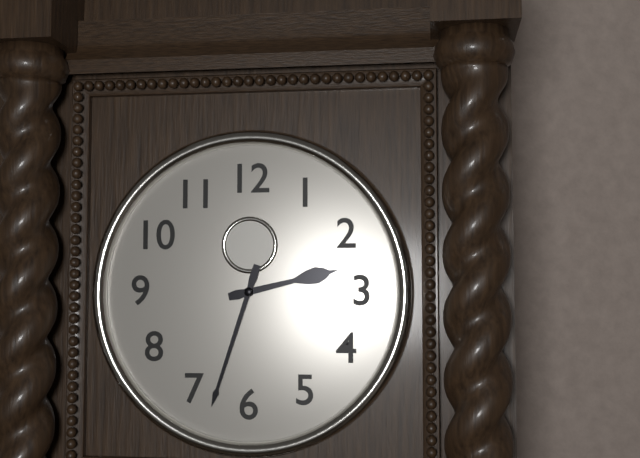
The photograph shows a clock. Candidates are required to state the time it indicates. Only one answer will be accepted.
2:33
